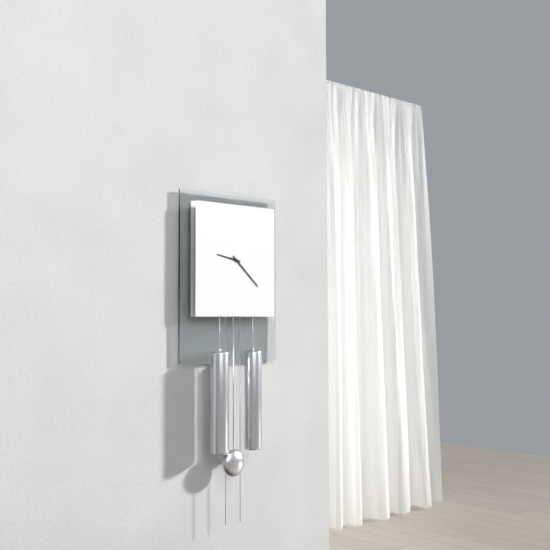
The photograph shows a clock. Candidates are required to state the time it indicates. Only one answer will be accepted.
9:22
